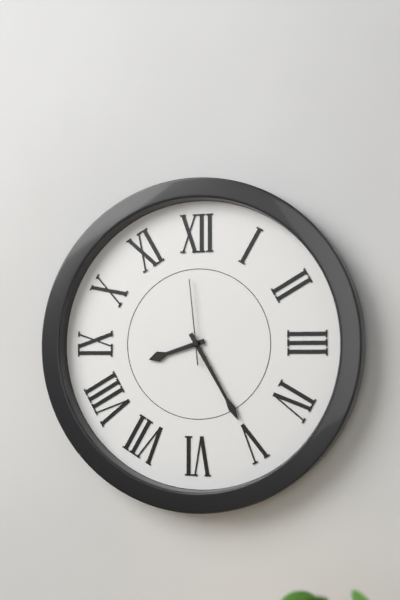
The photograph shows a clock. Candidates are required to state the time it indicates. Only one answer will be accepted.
8:25:59
